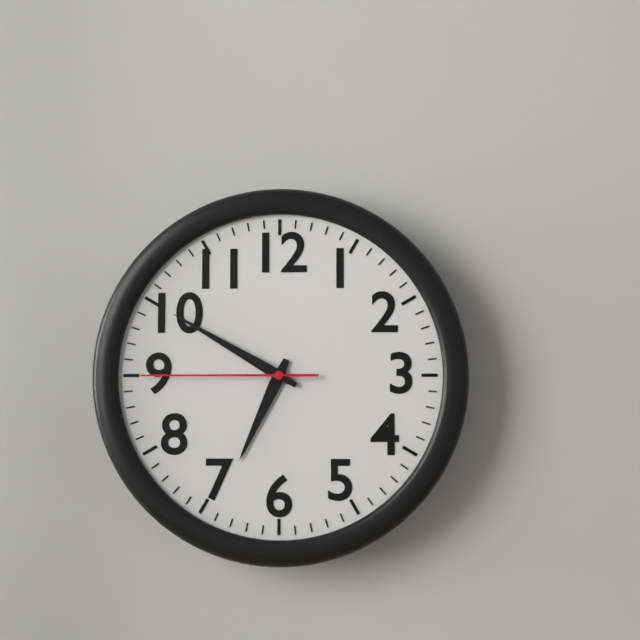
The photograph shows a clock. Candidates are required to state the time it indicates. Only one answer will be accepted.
6:50:45
